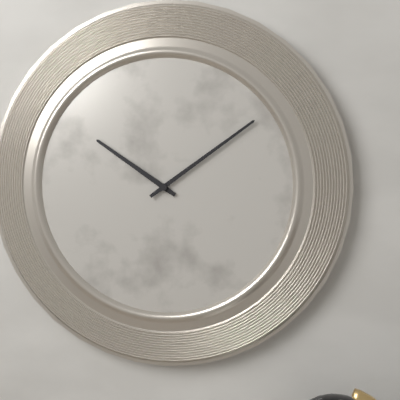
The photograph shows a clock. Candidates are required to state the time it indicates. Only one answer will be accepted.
10:09
